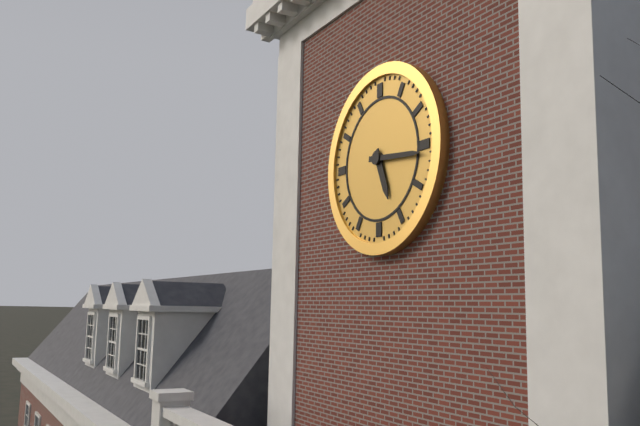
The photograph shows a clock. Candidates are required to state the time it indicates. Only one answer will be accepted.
5:16
